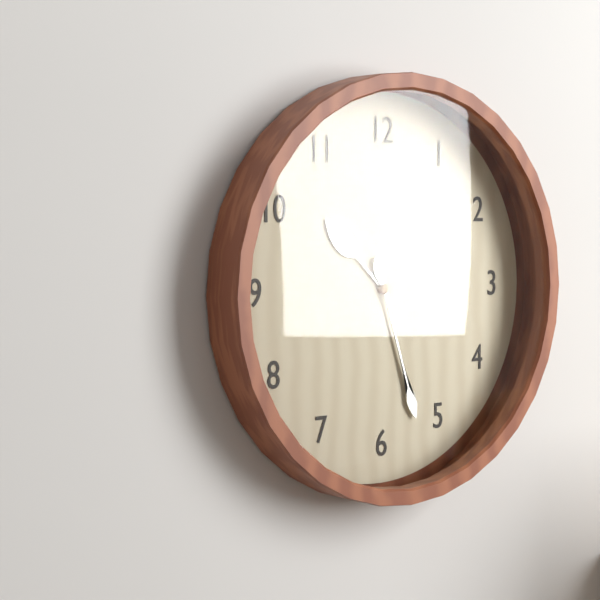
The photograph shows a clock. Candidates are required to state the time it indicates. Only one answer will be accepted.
10:27
